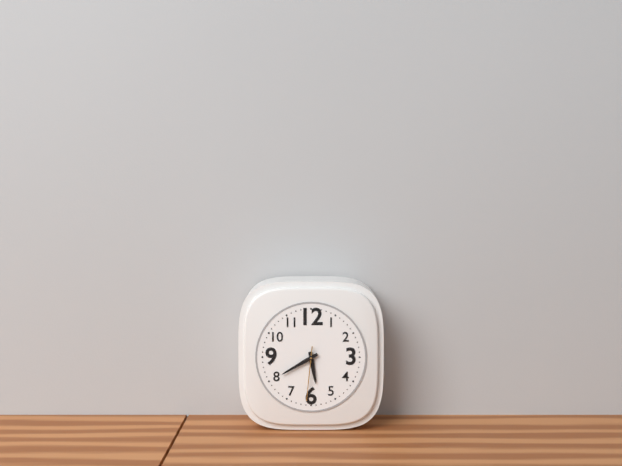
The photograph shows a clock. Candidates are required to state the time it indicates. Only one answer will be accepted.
5:40:31
